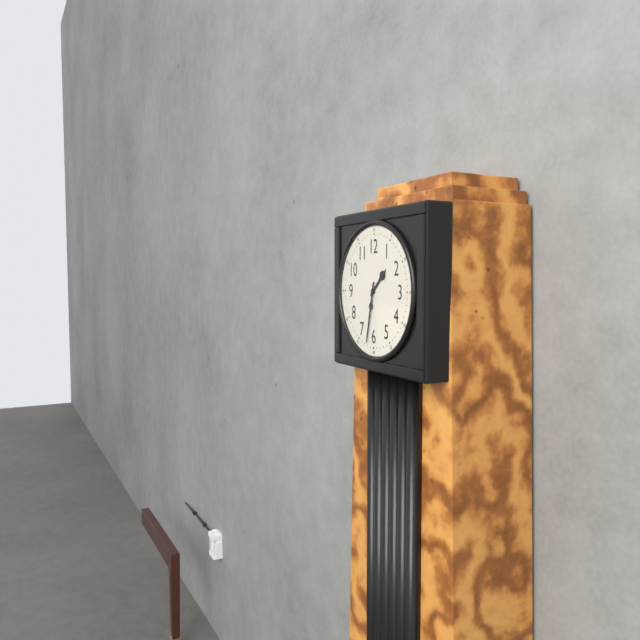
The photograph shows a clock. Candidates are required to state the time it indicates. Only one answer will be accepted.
1:32
